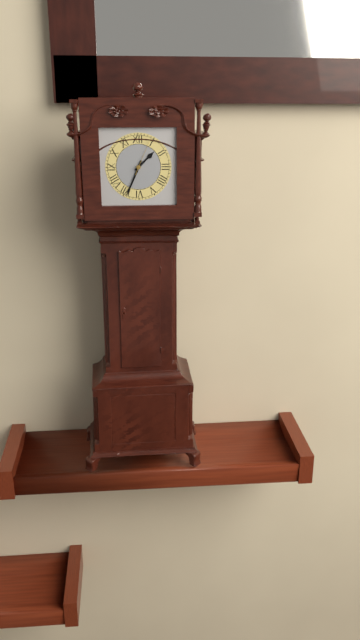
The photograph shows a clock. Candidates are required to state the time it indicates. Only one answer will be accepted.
1:34
